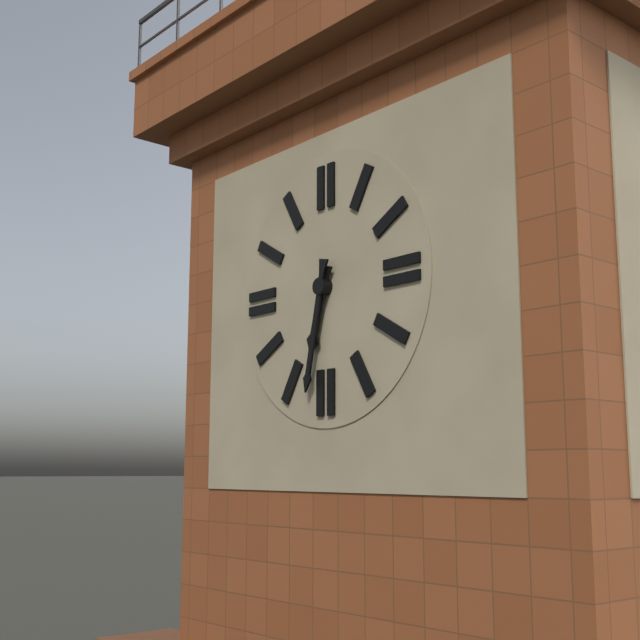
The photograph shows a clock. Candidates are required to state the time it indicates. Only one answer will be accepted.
6:32
